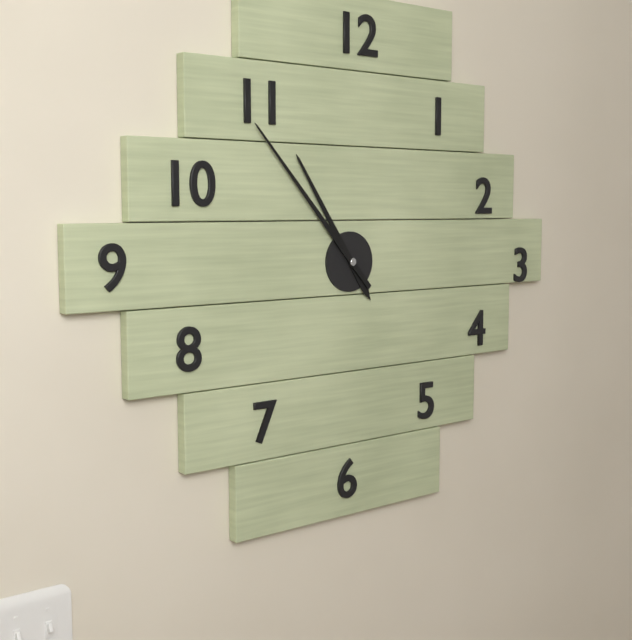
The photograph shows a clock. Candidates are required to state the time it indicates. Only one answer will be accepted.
10:53
